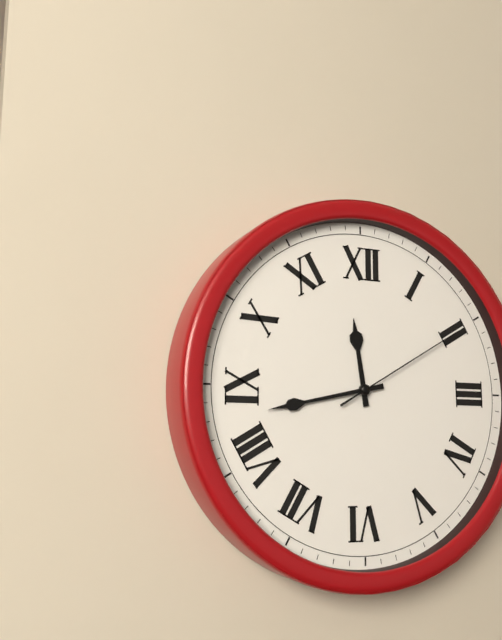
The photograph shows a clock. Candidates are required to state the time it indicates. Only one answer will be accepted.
11:43:10
